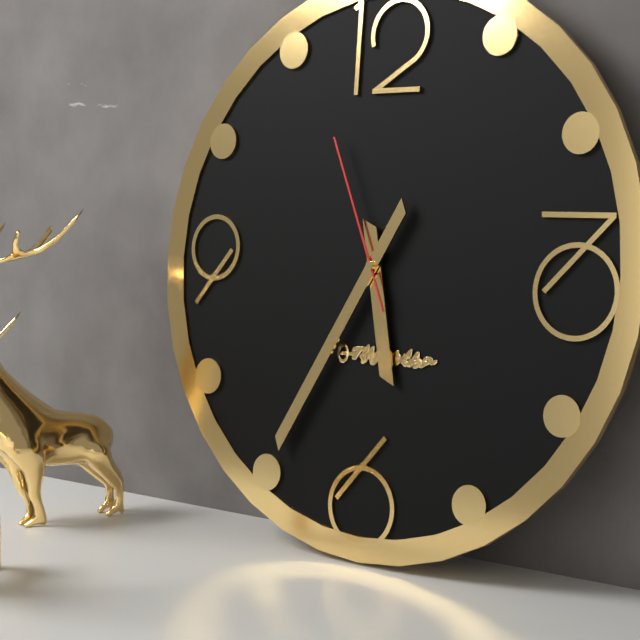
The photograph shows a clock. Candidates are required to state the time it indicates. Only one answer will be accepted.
5:35:56
